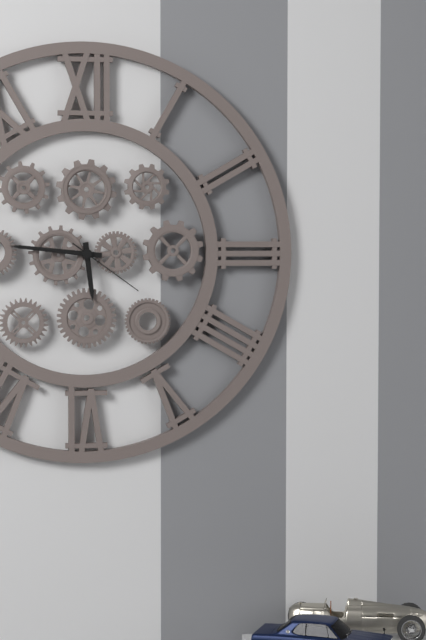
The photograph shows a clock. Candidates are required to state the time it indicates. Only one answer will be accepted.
5:46:21
